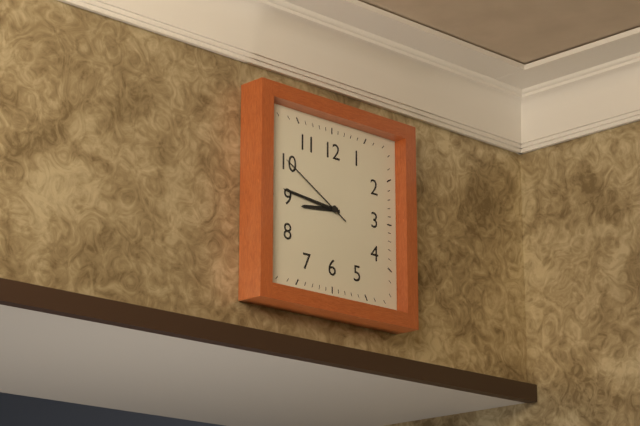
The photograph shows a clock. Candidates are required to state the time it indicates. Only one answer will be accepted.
8:46:50
